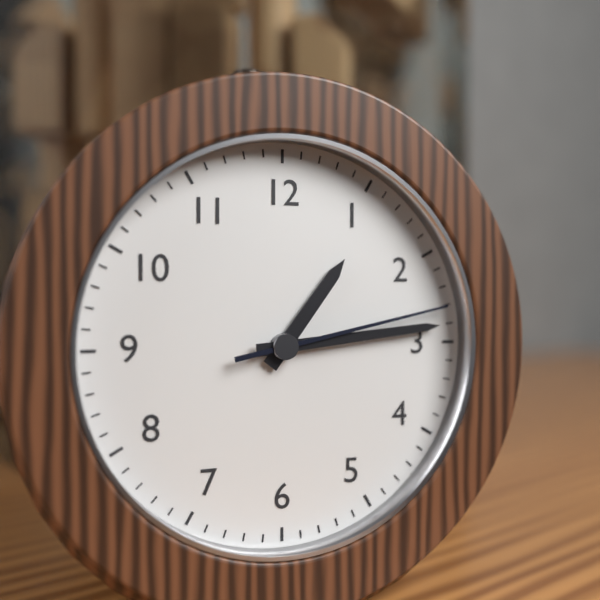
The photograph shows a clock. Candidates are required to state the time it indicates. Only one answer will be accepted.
1:14:13
